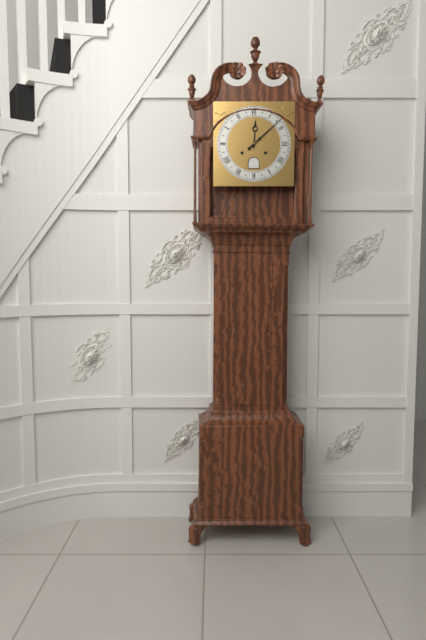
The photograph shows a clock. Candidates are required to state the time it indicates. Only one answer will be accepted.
12:08
